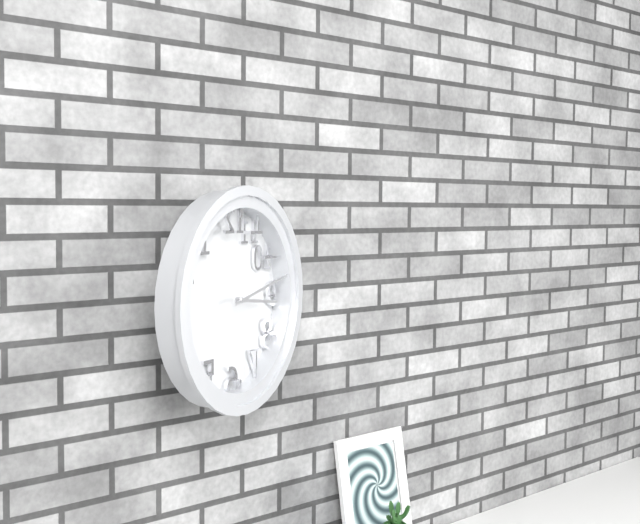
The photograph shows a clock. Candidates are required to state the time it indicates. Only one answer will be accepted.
3:13
